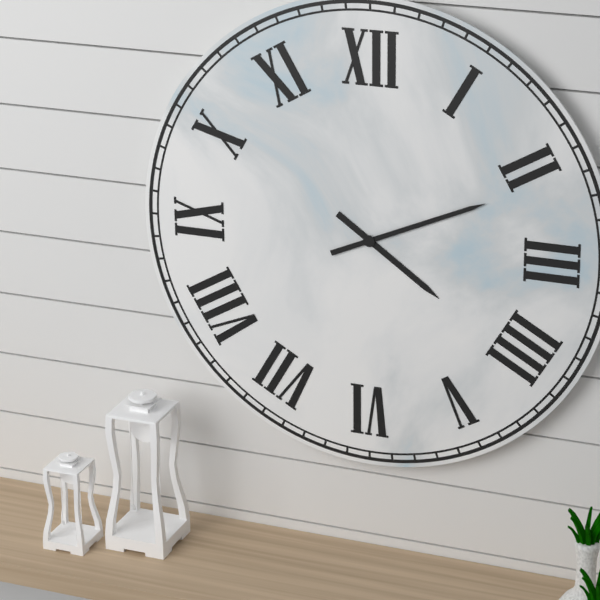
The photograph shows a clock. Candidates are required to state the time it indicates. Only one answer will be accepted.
4:11
